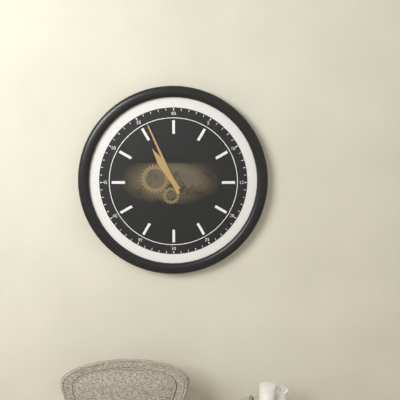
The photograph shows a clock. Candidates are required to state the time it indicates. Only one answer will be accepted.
10:56
